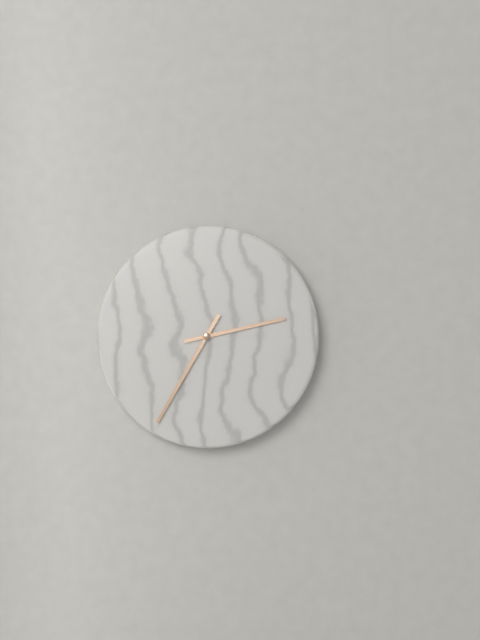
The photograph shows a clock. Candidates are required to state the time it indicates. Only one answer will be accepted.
2:35
